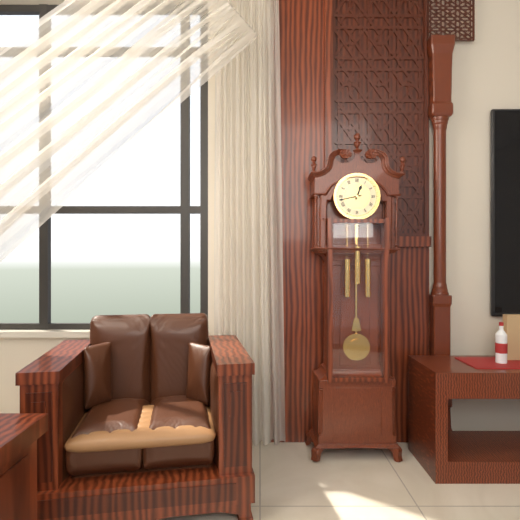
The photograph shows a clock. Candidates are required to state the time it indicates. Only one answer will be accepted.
12:43
